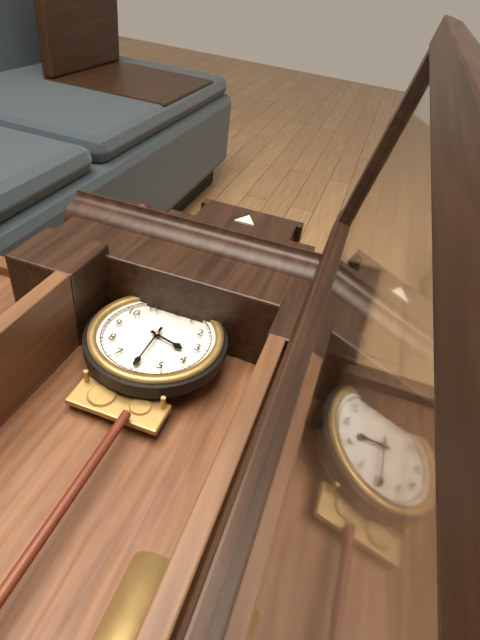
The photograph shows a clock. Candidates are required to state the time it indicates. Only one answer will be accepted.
3:30
